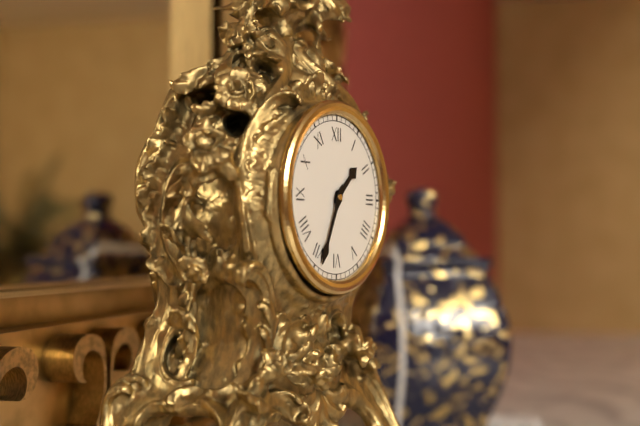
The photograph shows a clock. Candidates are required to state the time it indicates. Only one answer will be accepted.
1:34
